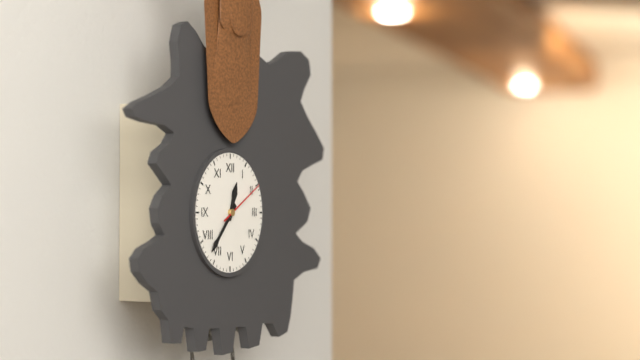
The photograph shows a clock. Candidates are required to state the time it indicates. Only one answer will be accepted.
12:37
